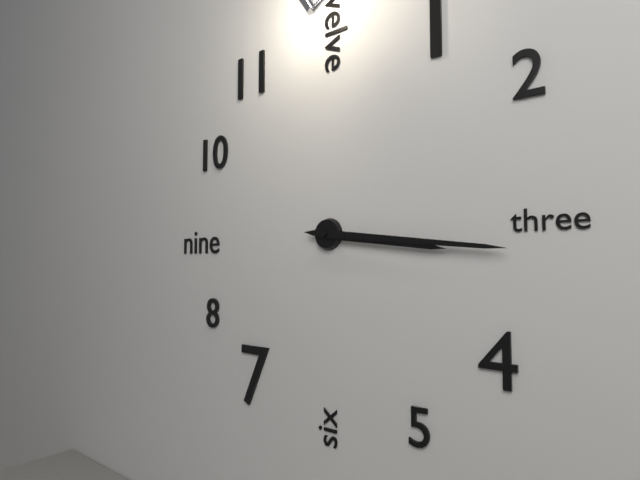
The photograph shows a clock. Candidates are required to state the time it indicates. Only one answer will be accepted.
3:16
